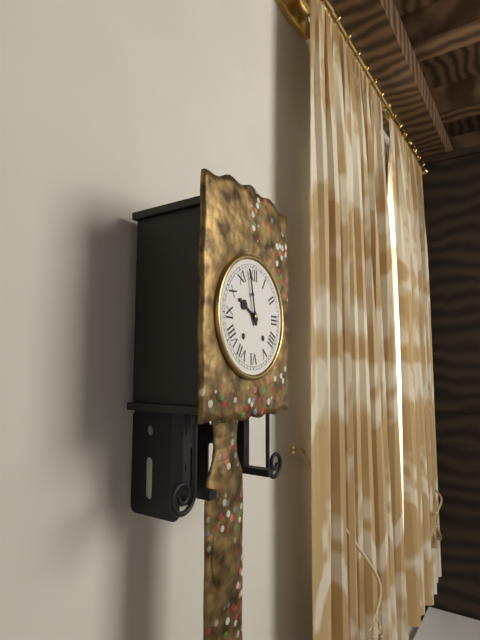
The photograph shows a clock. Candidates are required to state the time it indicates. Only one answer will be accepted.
9:58
